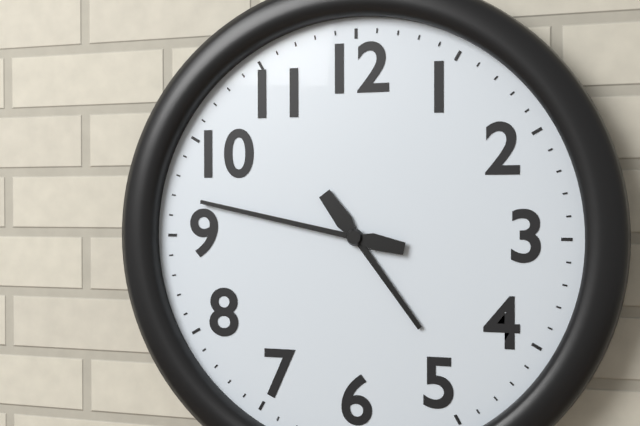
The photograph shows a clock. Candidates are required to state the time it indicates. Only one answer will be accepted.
4:47
